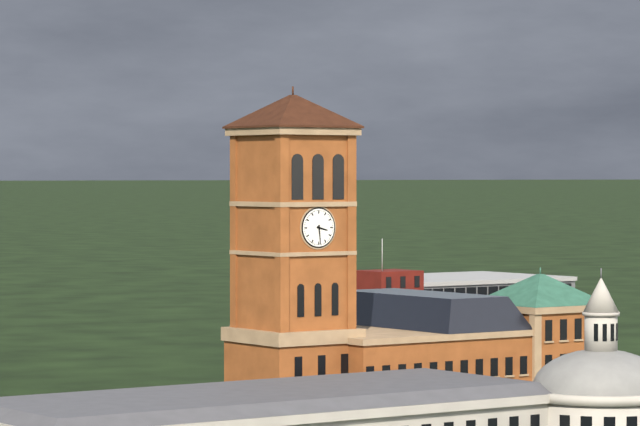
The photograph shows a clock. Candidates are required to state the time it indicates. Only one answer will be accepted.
3:29
